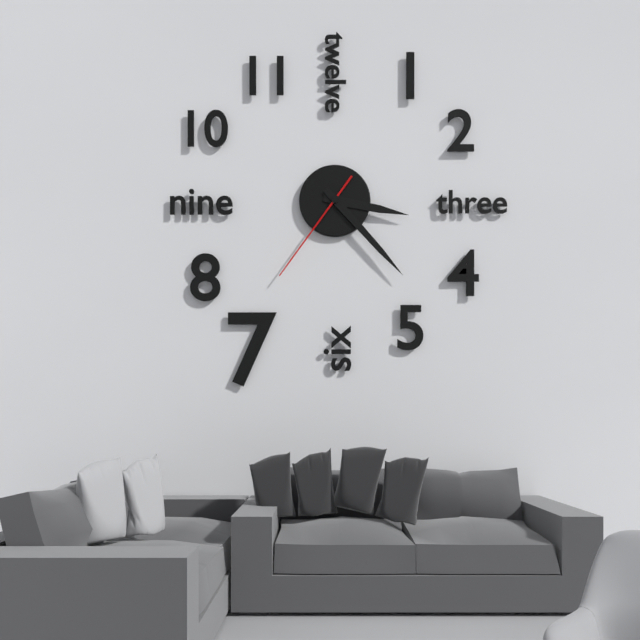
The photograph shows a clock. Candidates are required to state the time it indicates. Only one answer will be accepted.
3:23:36
